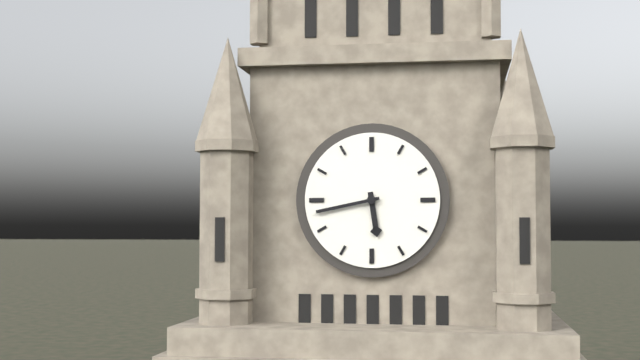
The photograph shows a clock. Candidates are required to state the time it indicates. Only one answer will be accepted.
5:43
